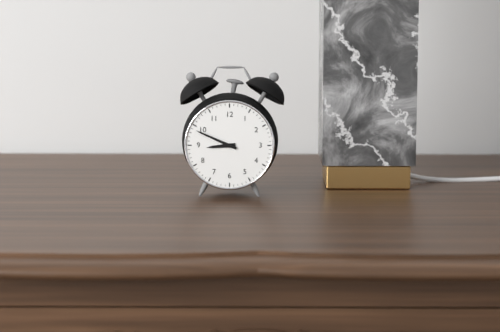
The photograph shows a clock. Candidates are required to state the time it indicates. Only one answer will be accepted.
8:49
